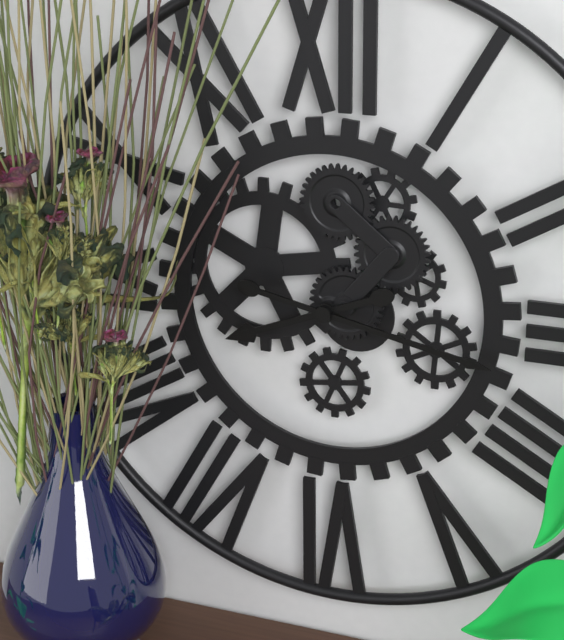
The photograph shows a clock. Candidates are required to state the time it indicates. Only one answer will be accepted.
8:17
